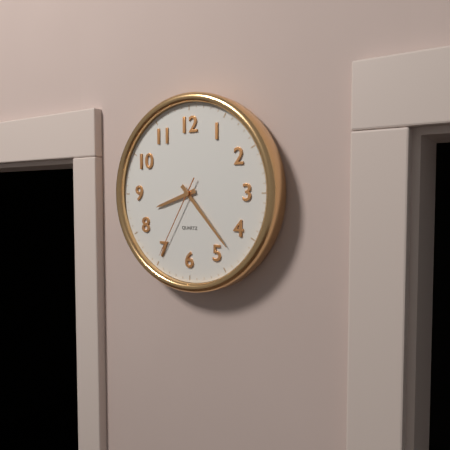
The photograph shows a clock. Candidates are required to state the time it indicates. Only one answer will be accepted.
8:23:35
